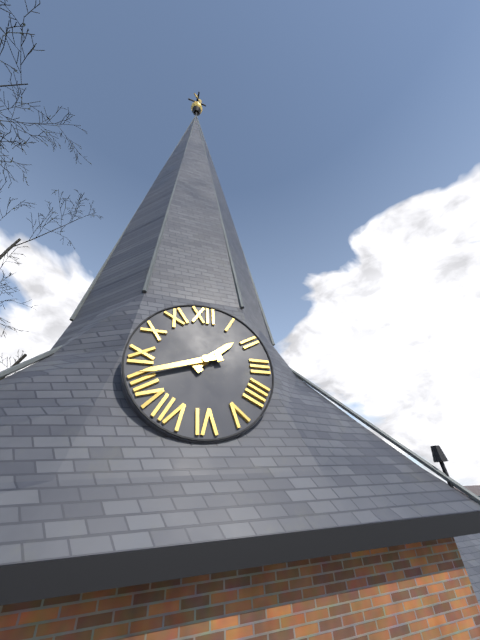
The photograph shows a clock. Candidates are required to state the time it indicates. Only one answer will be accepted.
1:42
